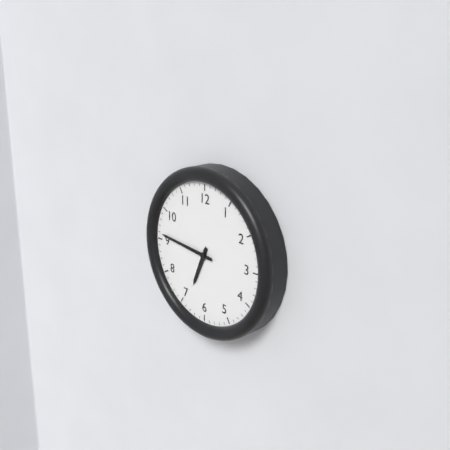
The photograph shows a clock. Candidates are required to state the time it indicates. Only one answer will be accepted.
6:46
